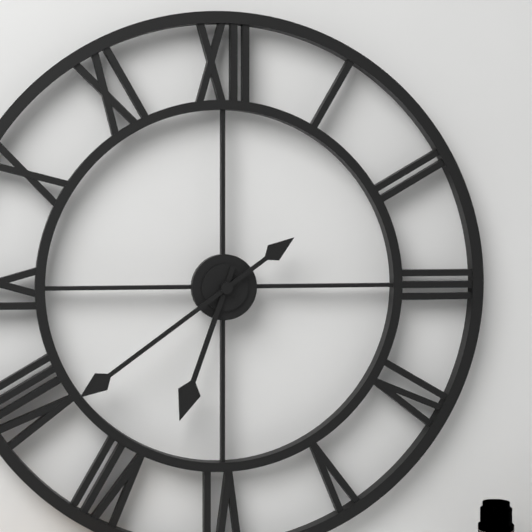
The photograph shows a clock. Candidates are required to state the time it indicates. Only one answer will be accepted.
6:39
